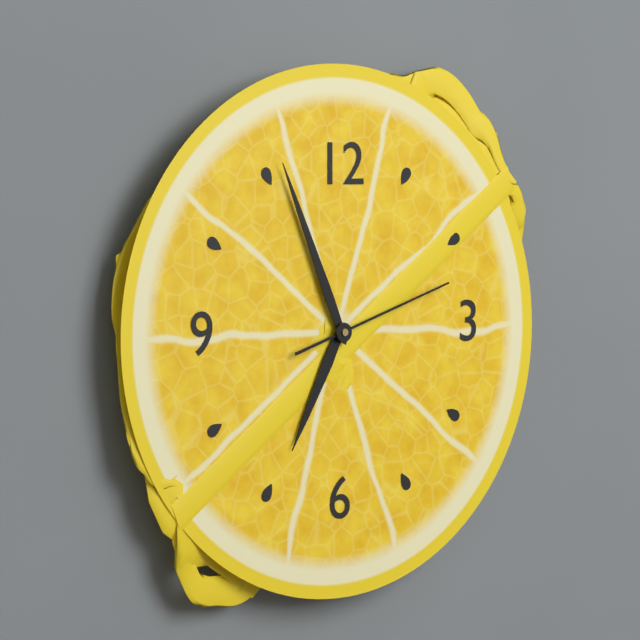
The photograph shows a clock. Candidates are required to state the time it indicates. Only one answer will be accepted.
6:56:12
